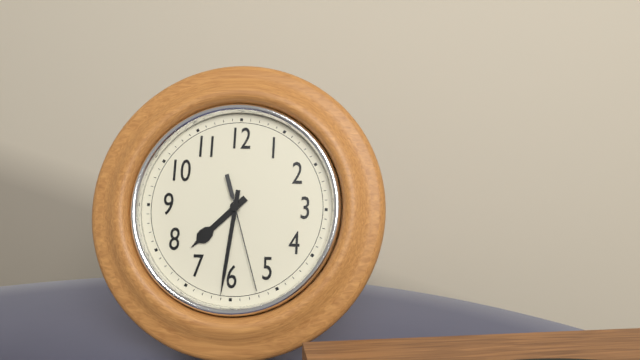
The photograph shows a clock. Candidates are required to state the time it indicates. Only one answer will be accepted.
7:31:27
